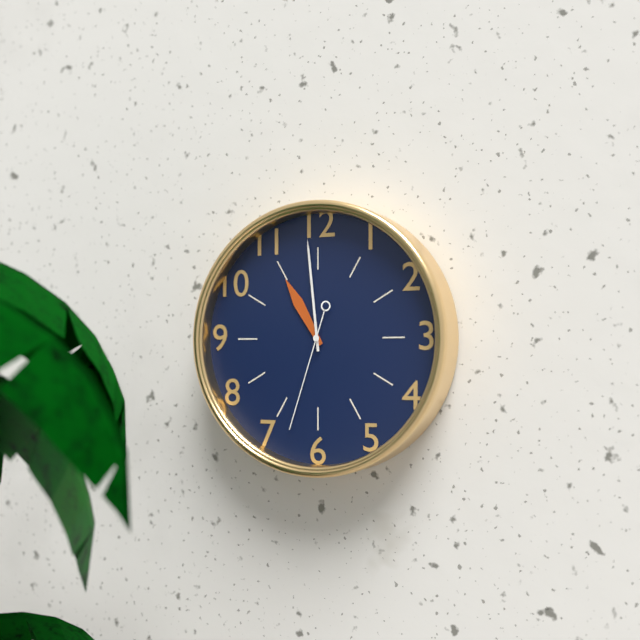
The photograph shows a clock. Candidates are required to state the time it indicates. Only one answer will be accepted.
10:59:33
